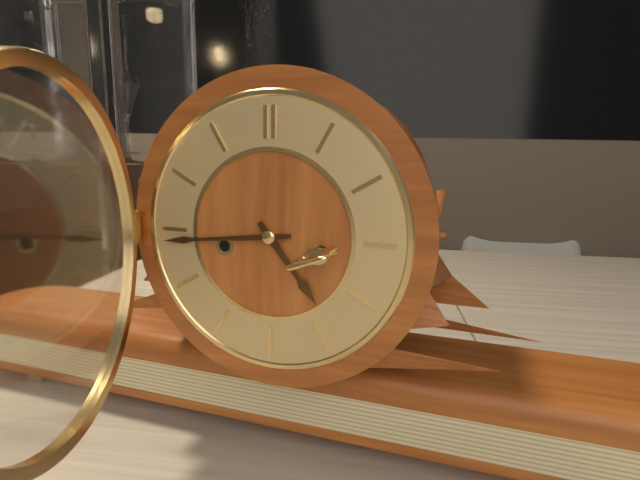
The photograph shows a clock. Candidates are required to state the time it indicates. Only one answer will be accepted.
4:44
